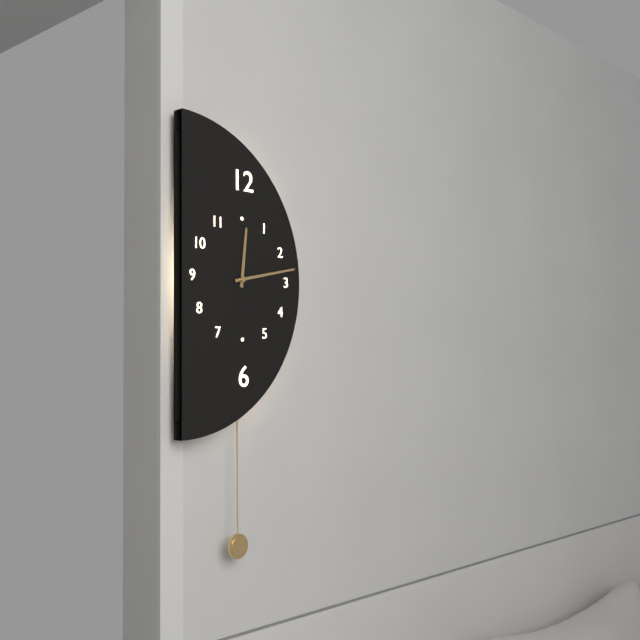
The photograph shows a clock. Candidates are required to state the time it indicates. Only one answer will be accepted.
12:13
